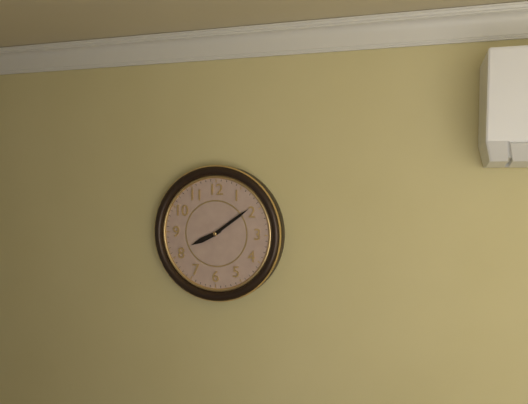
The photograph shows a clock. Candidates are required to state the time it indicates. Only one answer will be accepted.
8:09
